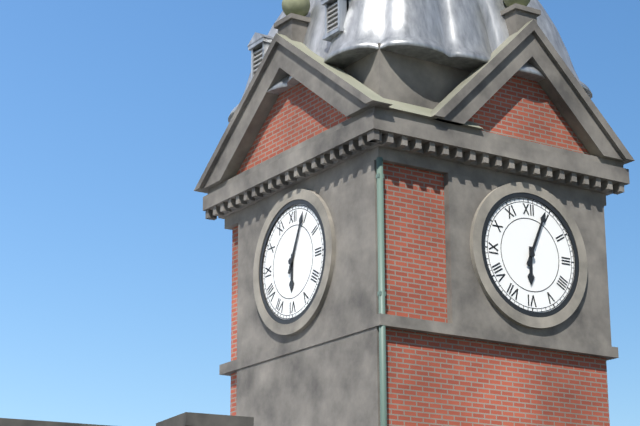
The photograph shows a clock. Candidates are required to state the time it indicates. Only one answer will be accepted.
6:04
